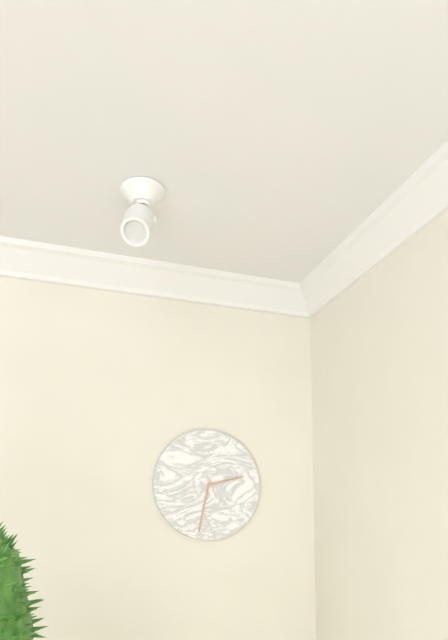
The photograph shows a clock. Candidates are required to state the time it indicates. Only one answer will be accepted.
2:32
